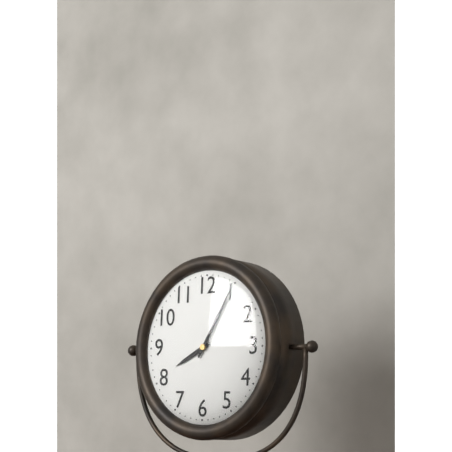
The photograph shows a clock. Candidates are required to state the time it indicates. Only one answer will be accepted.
8:05
